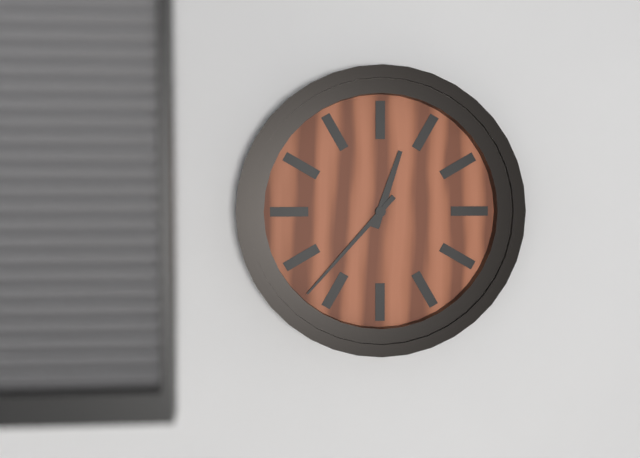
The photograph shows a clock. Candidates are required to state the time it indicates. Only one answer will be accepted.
12:37
